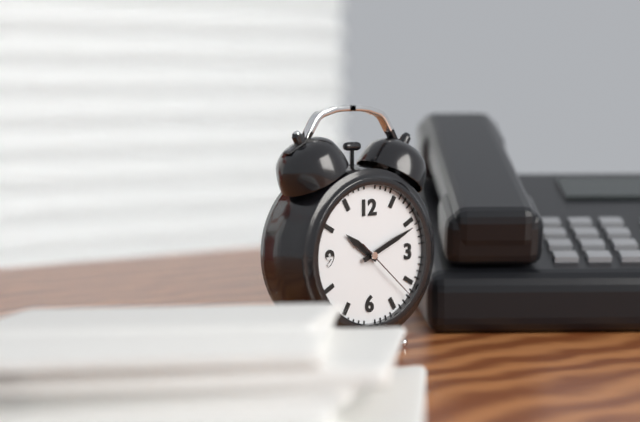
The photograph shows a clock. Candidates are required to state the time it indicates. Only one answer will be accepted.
10:11:22
